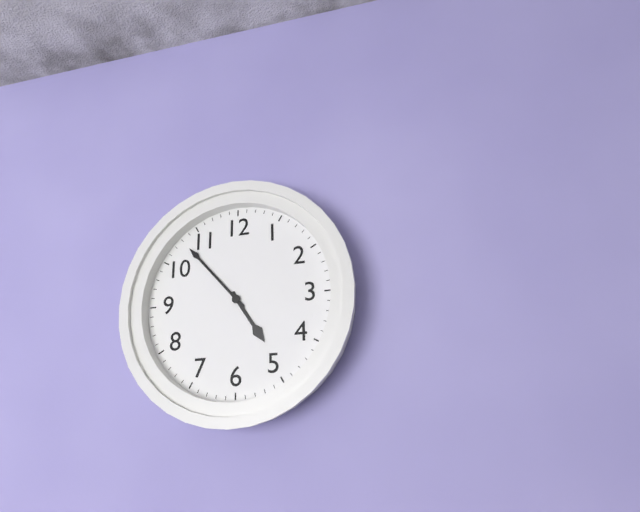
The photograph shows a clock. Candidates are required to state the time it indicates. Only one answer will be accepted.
4:53
